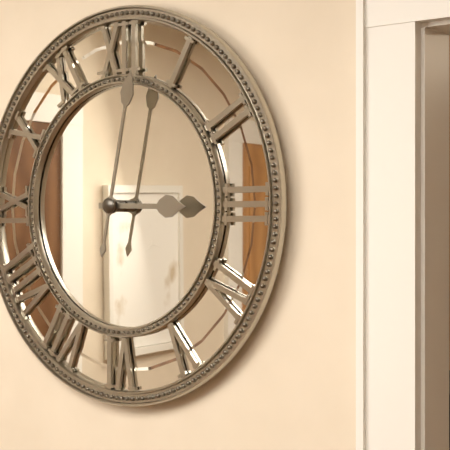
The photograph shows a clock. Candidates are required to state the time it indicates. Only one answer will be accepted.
3:02
